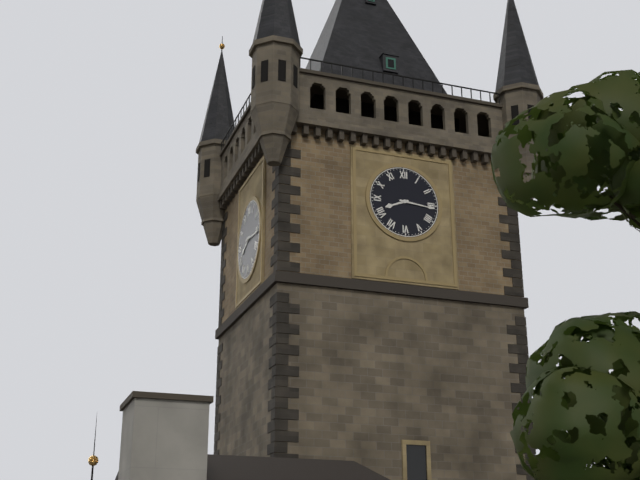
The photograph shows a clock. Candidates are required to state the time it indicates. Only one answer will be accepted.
8:16
